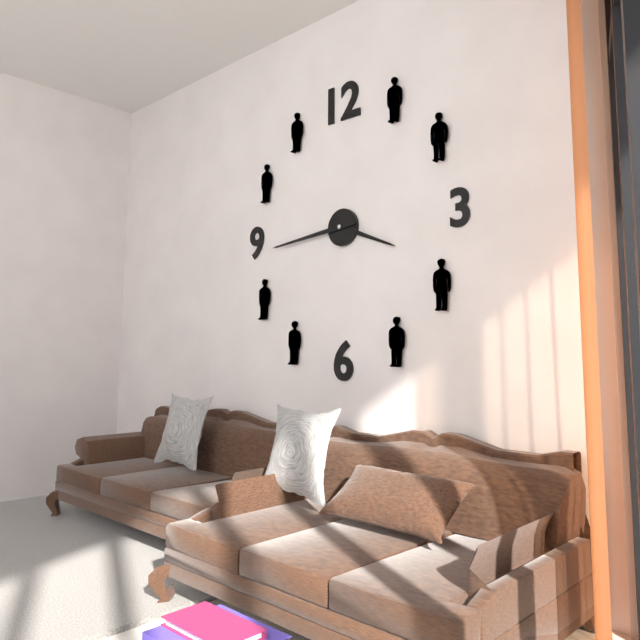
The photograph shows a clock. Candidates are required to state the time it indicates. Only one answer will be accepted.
3:44
